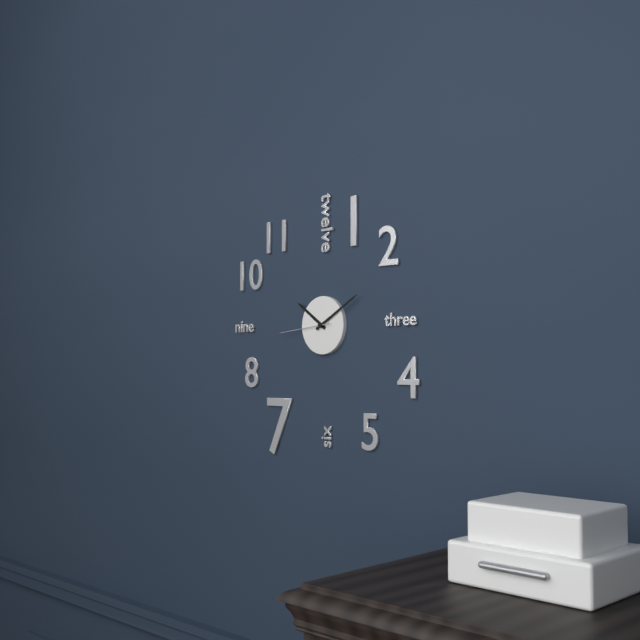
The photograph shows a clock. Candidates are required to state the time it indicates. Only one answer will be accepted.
10:10:44
